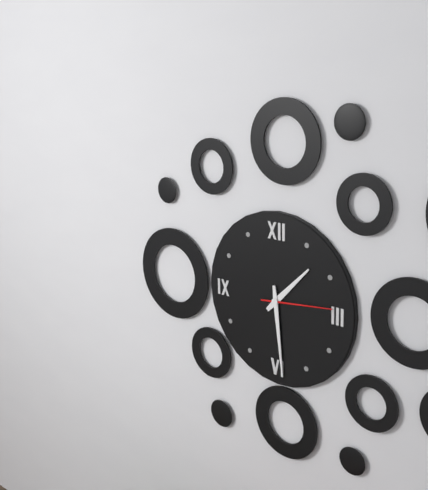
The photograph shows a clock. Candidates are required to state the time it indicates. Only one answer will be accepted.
1:29:14
